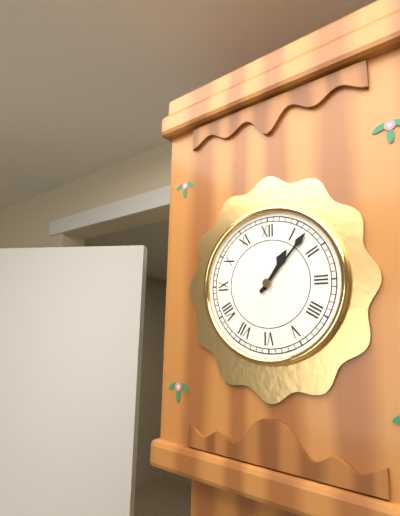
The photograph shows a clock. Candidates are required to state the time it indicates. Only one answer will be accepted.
1:07
